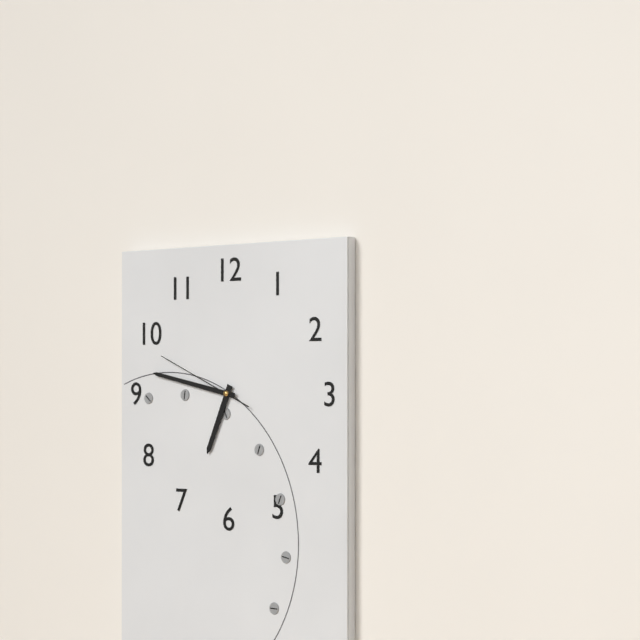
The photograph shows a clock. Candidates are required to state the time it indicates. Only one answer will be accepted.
6:47:49
